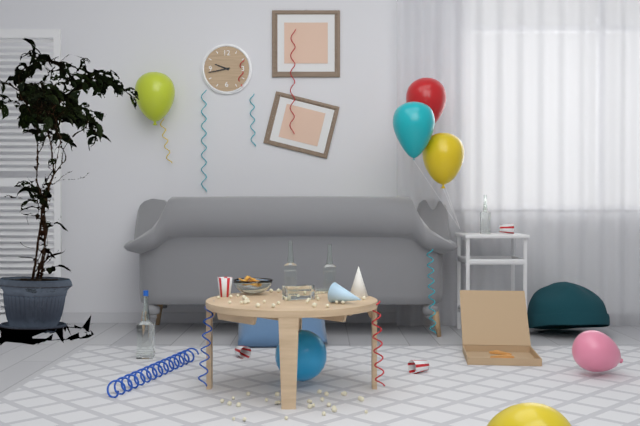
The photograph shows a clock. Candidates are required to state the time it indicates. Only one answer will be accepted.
9:43
